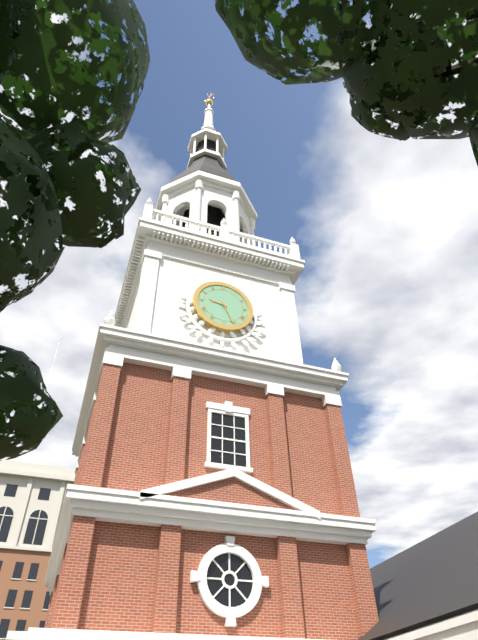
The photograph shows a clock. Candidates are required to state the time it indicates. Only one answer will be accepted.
9:26
